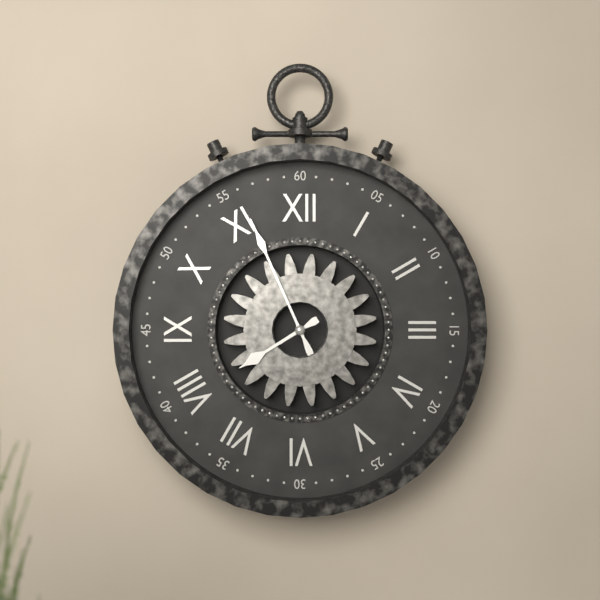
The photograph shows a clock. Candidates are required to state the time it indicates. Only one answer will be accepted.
7:56
